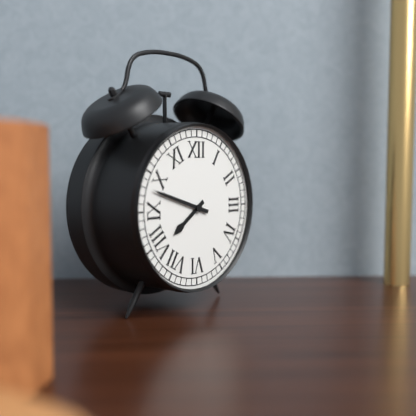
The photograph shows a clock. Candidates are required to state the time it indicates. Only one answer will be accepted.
7:48
